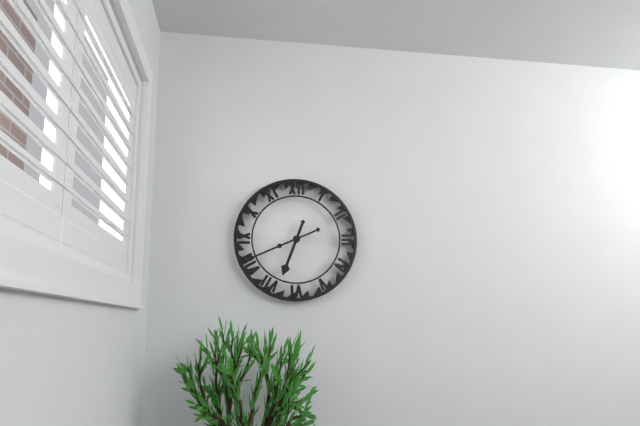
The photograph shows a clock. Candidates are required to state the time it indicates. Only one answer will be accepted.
6:41
